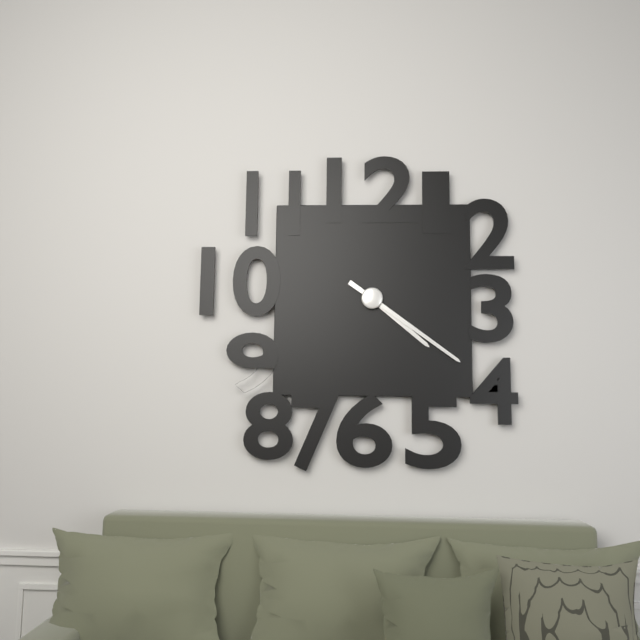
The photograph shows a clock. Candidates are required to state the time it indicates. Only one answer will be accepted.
4:21
